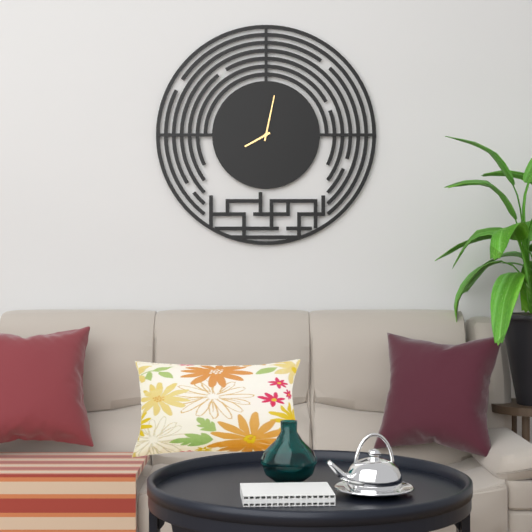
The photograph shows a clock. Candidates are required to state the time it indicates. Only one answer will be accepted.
8:02
